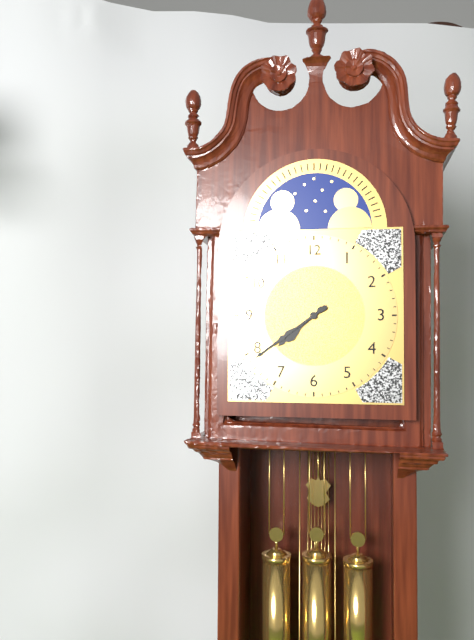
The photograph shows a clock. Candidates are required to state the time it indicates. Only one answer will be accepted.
7:39
